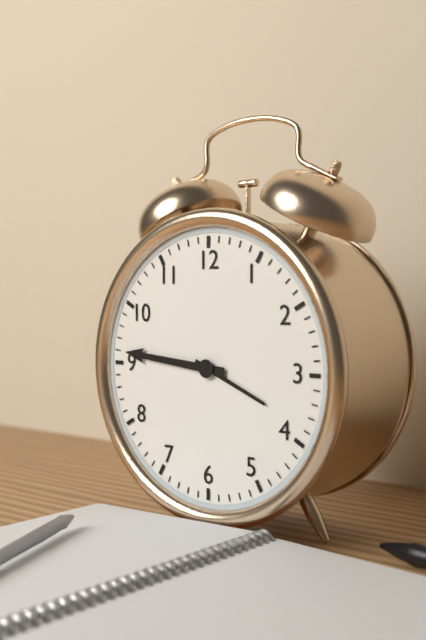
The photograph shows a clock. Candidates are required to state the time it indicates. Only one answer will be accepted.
3:46
